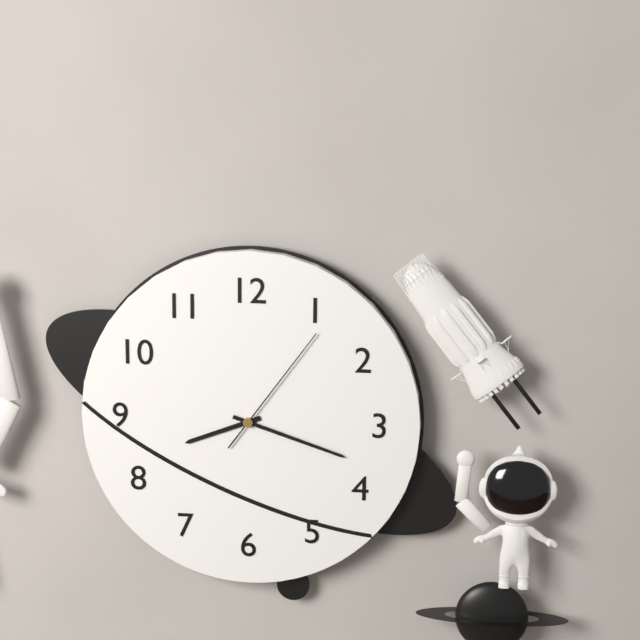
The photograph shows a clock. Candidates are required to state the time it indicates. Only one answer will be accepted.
8:18:06
